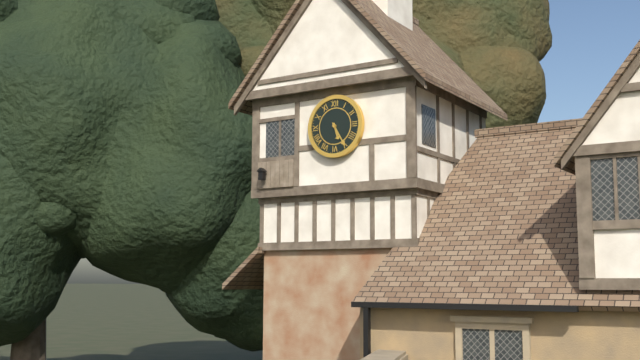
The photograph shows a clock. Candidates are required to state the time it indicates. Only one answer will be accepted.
5:25
